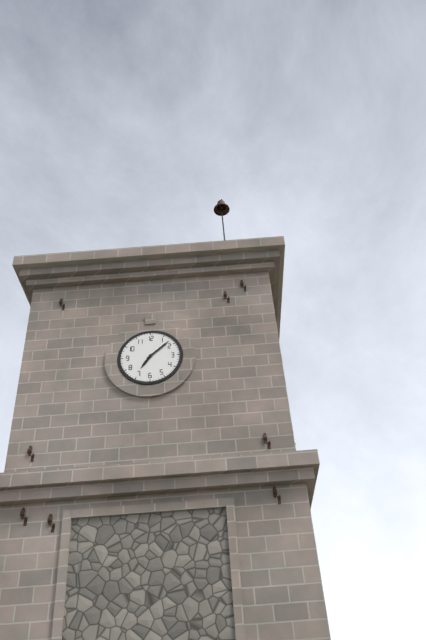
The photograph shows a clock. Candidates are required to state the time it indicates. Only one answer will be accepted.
7:08
